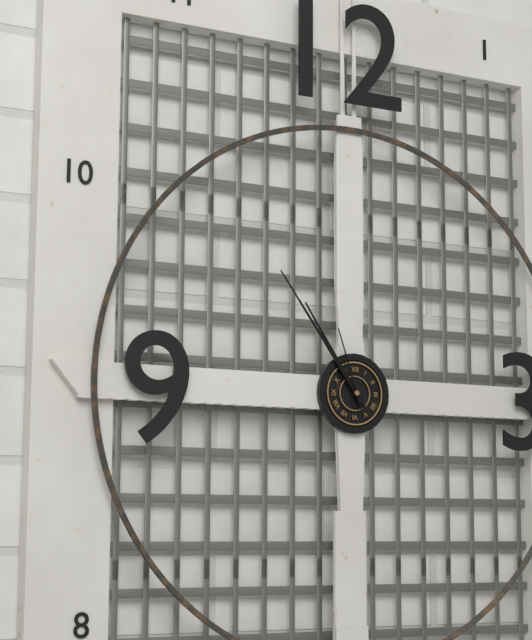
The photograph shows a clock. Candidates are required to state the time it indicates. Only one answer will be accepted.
10:54:57
